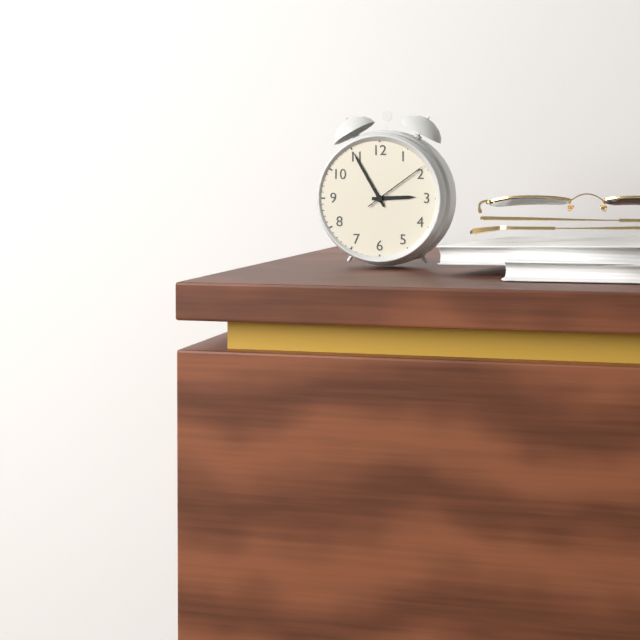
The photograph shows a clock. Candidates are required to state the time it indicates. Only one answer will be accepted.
2:55:09
